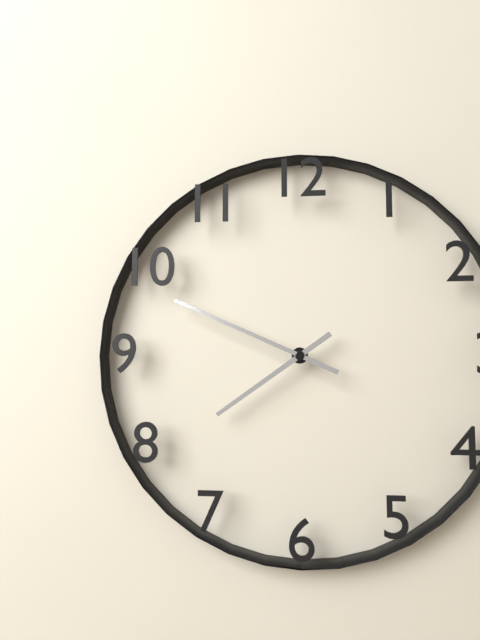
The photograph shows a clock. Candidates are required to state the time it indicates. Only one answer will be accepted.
7:49
